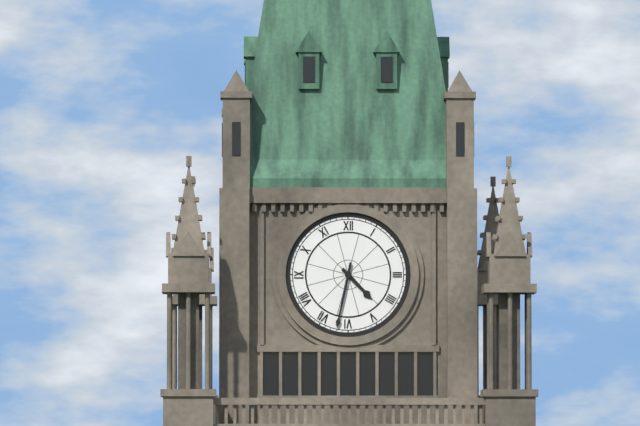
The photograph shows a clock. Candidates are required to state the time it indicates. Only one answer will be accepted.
4:32
